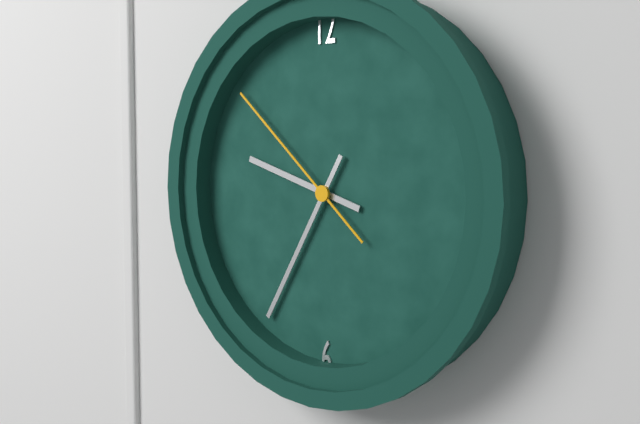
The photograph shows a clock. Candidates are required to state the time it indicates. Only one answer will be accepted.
9:35:52
